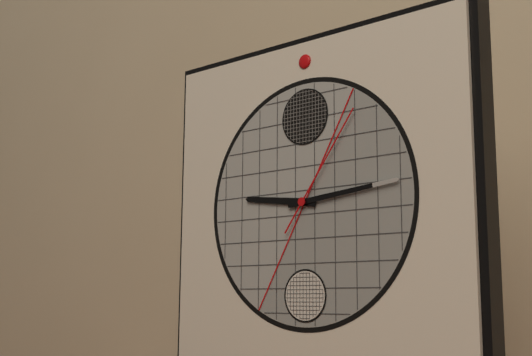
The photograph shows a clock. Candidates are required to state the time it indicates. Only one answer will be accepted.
9:14:06
